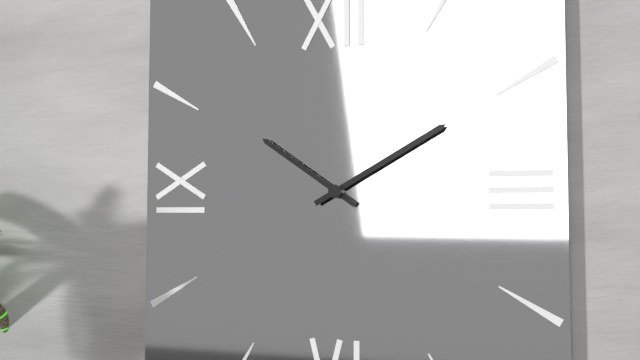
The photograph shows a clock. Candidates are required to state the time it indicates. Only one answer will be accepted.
10:10
